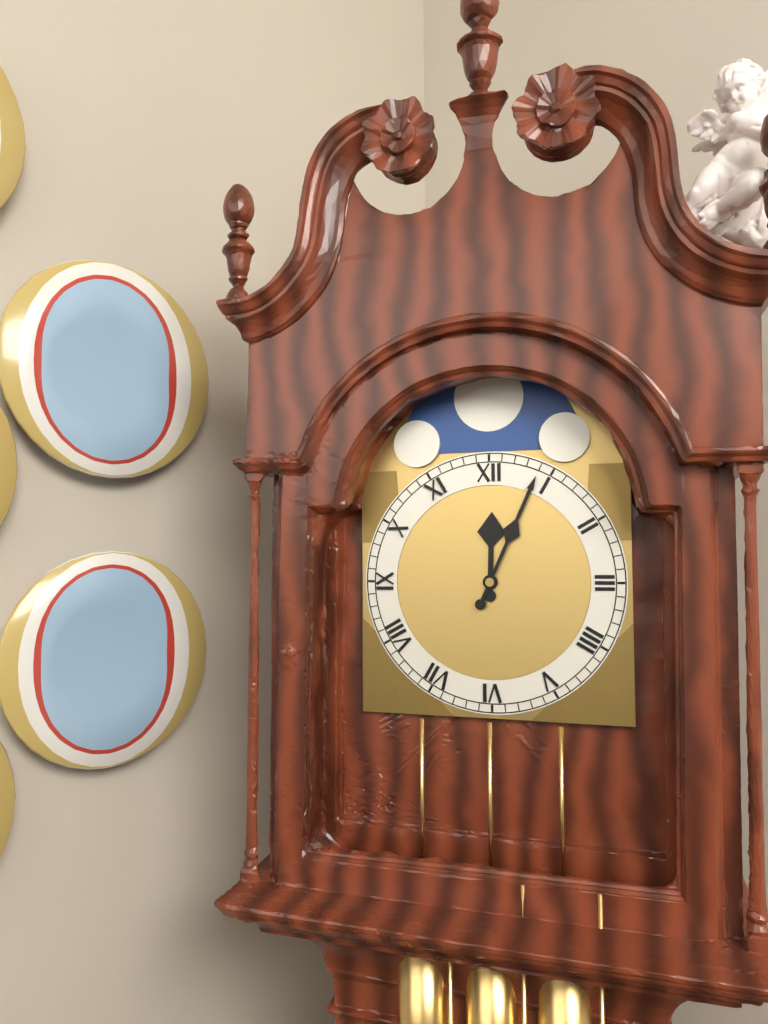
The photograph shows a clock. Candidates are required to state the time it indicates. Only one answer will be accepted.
12:04
